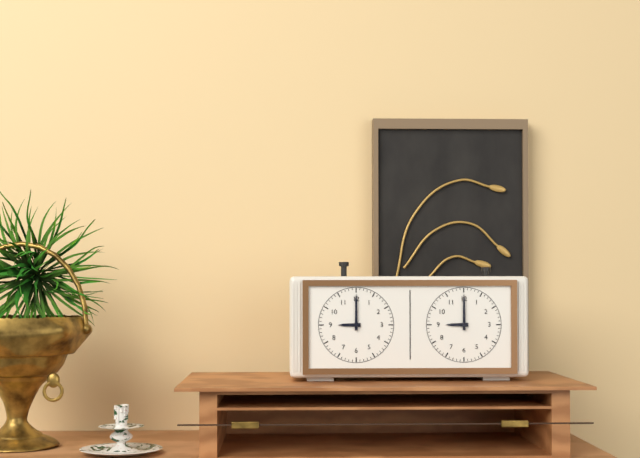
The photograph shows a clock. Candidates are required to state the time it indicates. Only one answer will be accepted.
9:00
